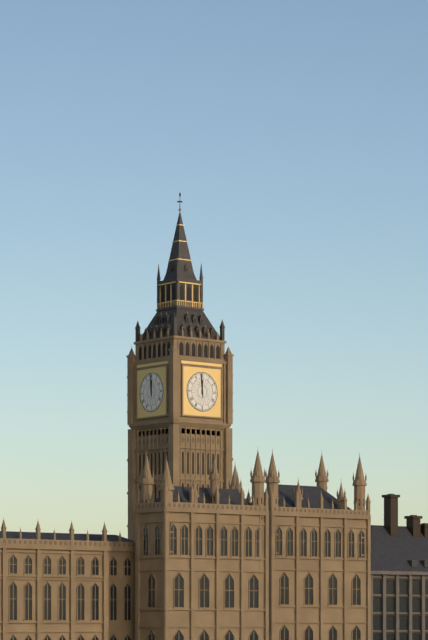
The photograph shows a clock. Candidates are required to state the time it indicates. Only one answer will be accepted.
11:59
